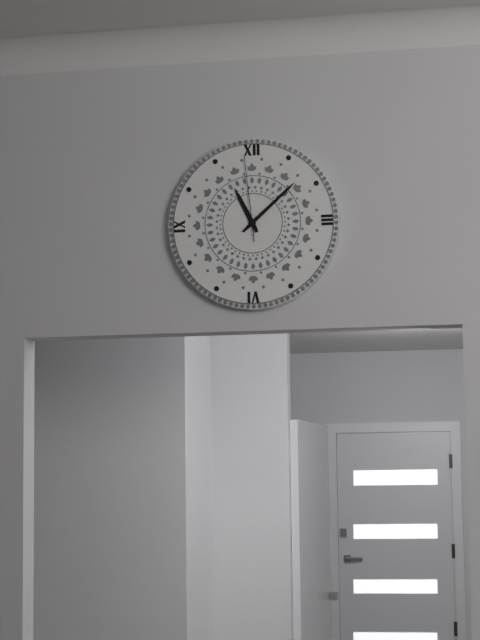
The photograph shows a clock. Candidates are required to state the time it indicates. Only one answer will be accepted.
11:08:59
